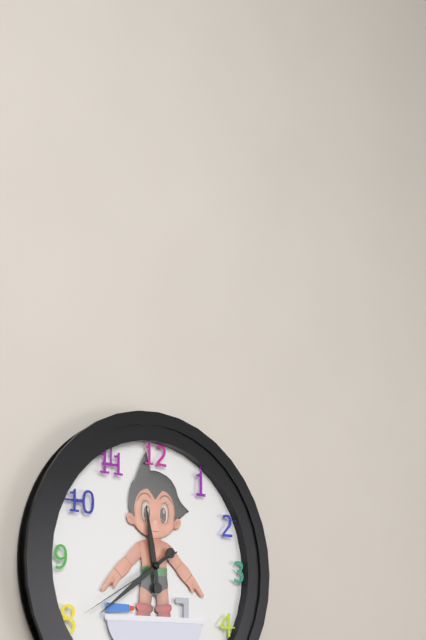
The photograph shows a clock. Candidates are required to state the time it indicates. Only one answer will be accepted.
11:39:40
